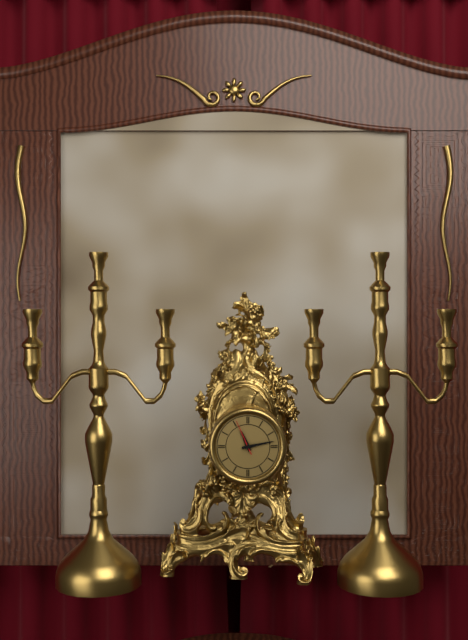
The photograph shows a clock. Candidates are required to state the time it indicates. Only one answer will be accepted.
11:13
